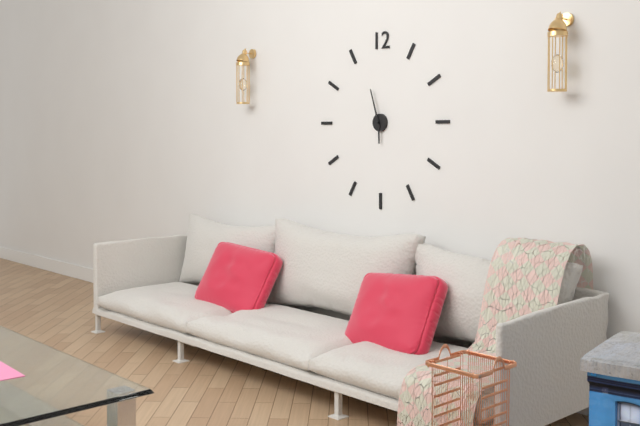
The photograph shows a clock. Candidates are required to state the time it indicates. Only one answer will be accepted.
5:57
